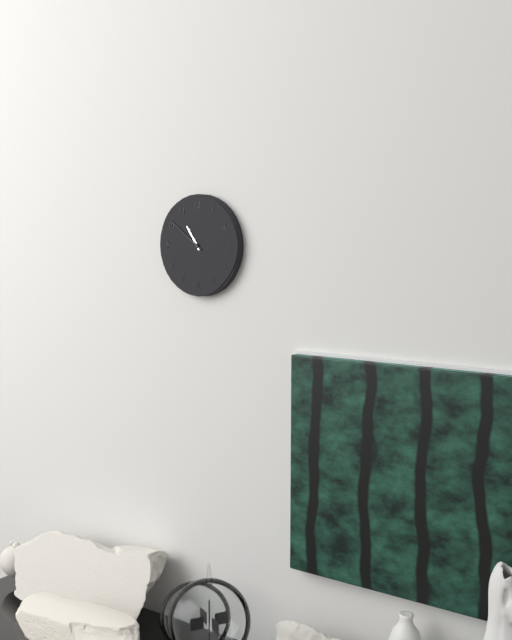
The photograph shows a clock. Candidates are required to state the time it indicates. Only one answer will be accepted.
10:51
